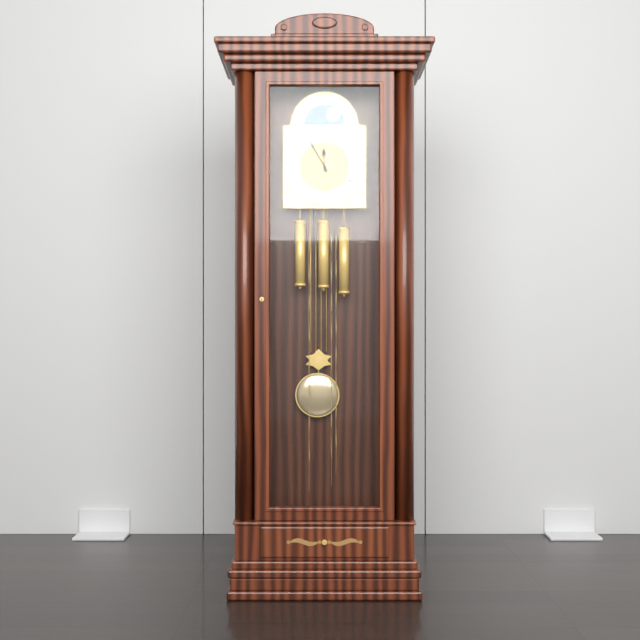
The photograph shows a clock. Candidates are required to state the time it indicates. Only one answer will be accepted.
11:55
